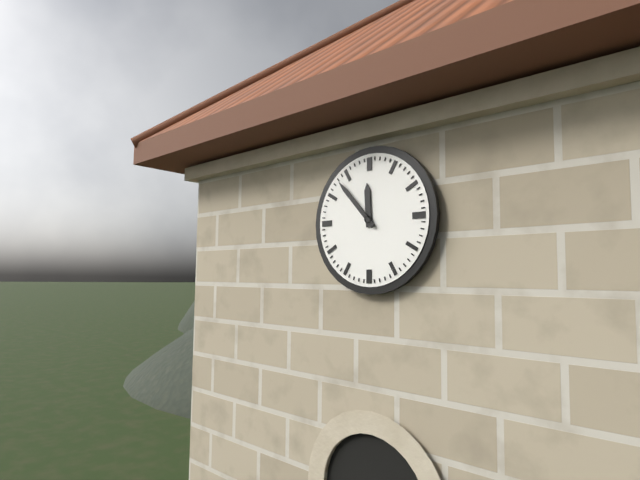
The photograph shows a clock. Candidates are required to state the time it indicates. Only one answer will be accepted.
11:53
